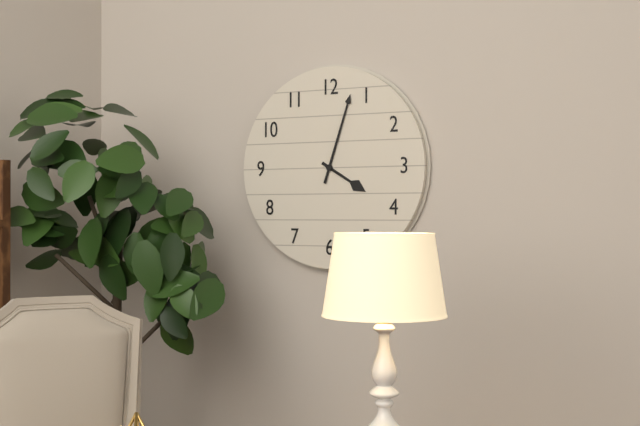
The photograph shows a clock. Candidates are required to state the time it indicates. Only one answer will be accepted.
4:03
